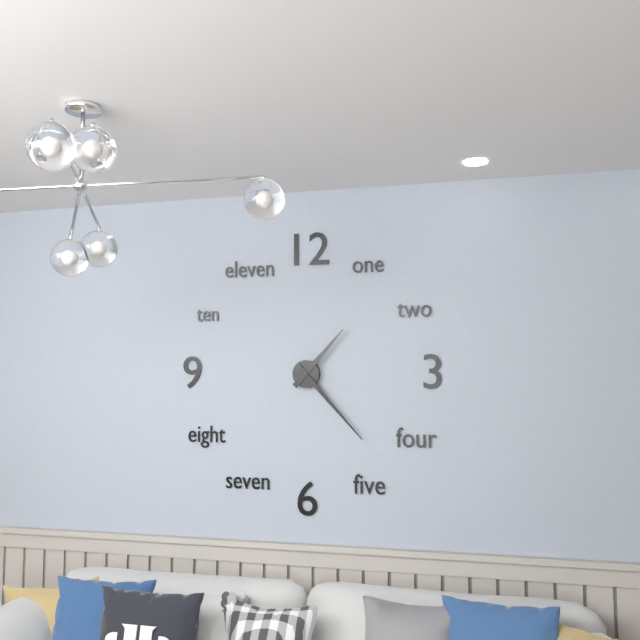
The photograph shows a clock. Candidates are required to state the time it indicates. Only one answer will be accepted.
1:23
